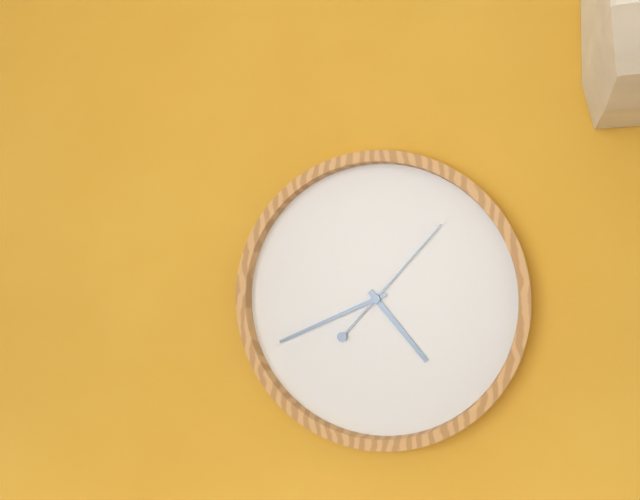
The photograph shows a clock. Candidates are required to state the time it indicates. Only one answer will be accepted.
4:41:07
